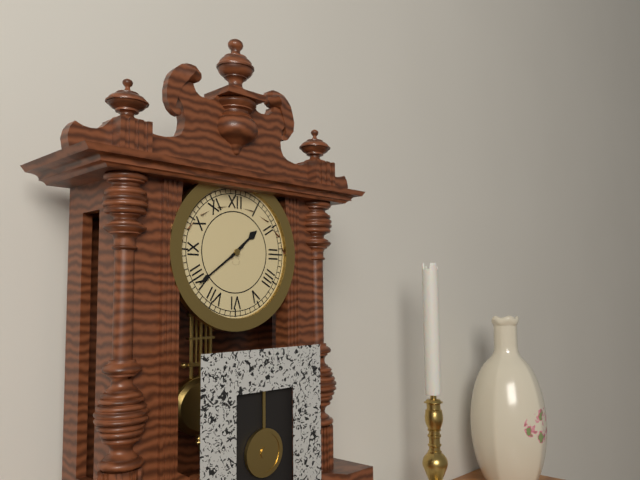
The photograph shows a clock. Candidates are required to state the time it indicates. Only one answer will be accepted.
1:39
